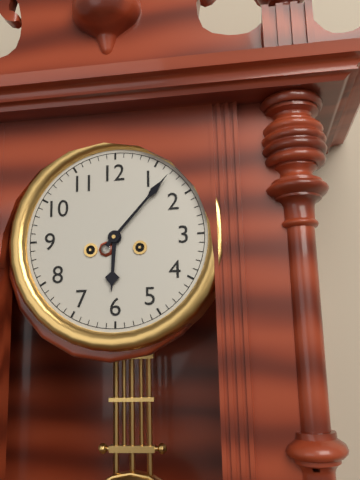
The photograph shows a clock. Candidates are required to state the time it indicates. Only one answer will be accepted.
6:07
